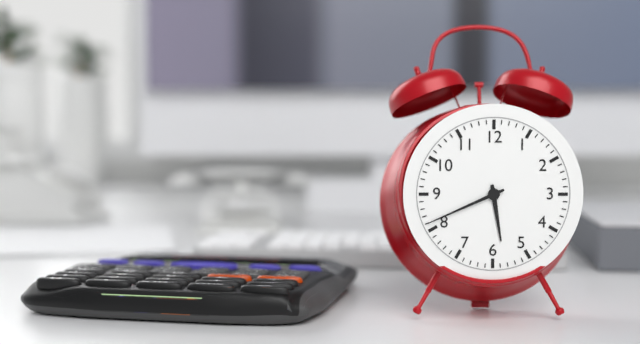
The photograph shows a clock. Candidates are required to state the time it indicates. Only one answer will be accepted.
5:41
